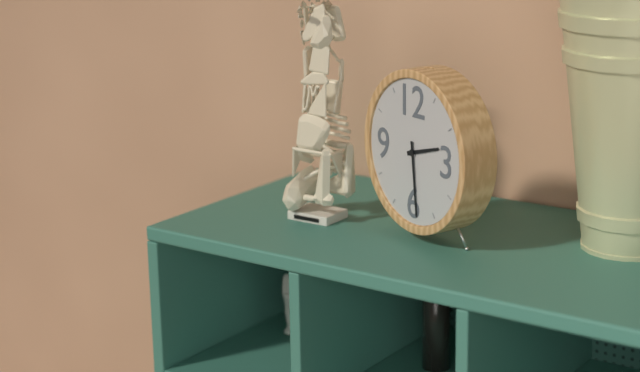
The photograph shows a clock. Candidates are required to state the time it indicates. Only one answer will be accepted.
2:29
